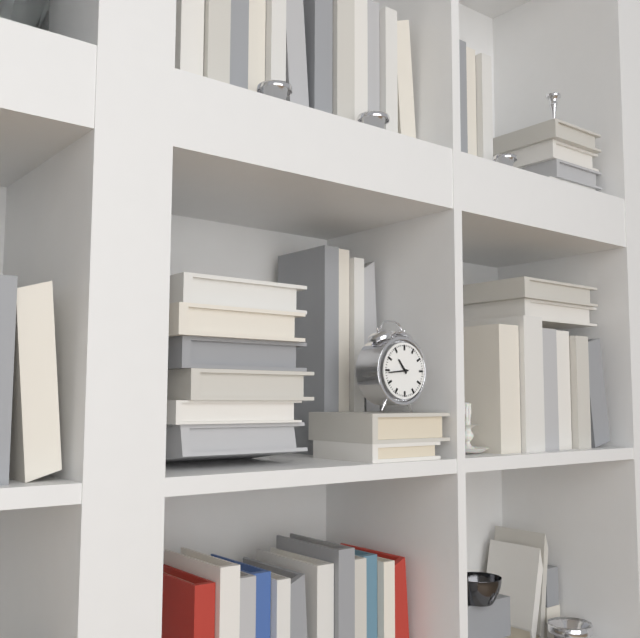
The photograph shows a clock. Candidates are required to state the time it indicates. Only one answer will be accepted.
10:44
